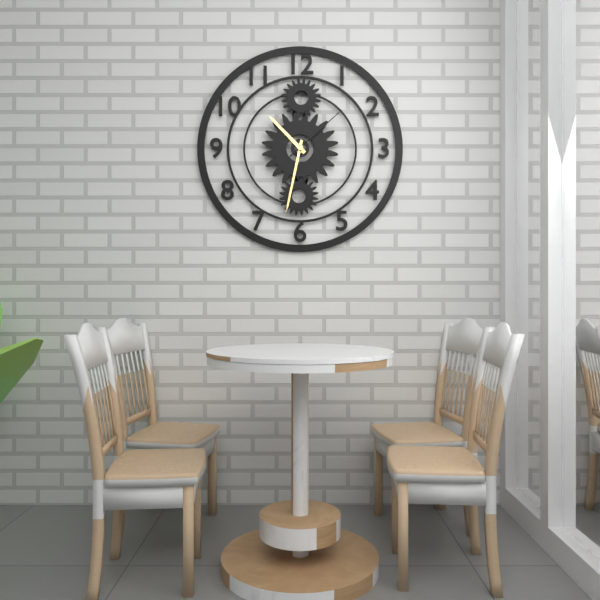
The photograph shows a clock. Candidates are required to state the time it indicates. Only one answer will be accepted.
10:32:08
